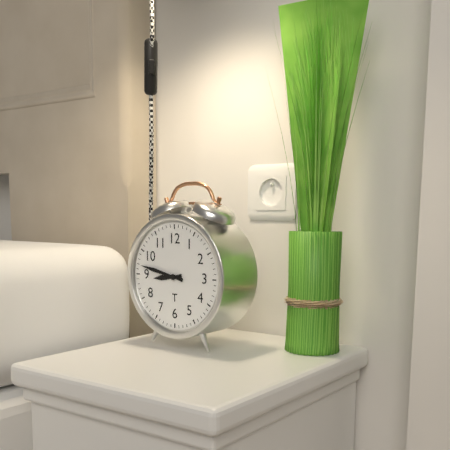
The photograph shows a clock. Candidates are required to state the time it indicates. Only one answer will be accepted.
8:47
